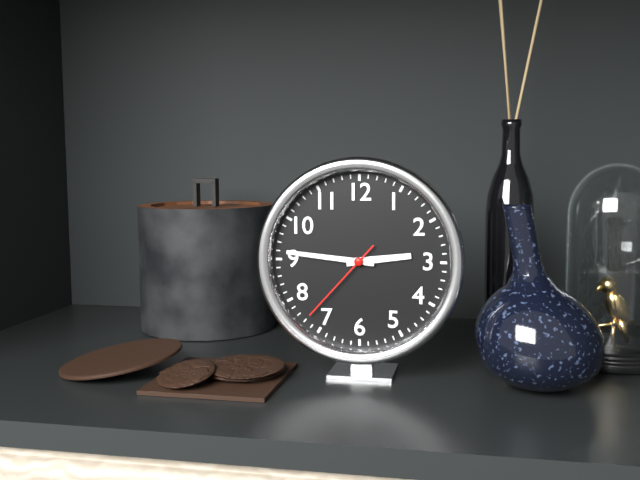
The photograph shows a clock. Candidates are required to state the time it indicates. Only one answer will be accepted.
2:46:37
